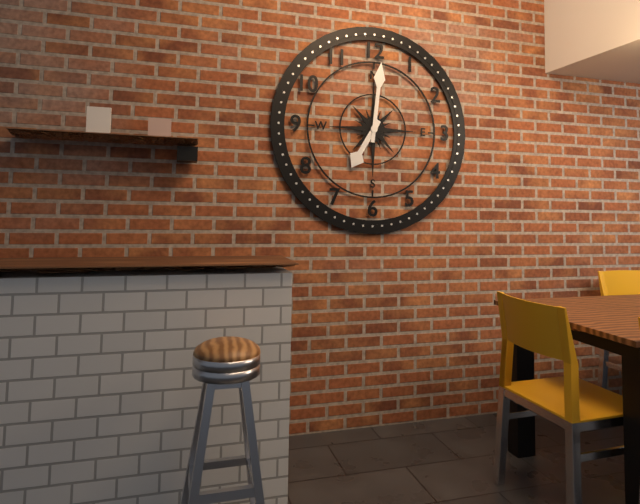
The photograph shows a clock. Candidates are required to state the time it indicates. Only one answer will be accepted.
7:01
